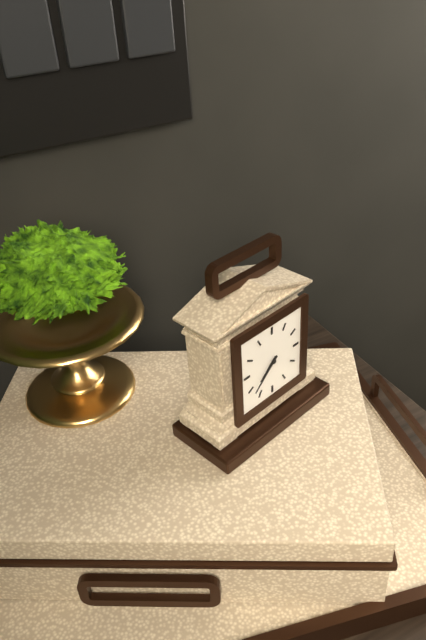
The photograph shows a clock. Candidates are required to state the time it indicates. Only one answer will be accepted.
7:38
